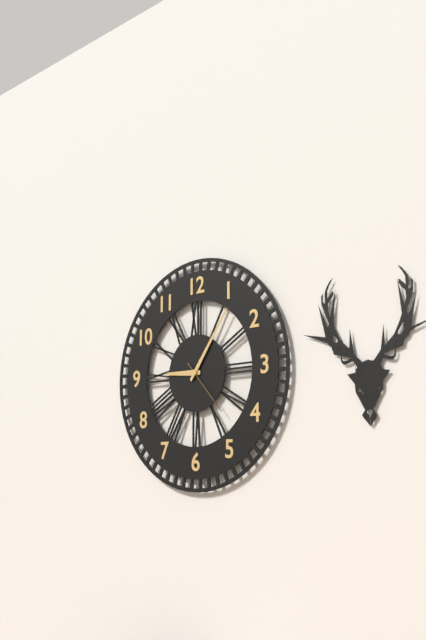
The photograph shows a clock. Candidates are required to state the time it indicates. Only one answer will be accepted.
9:06:23
